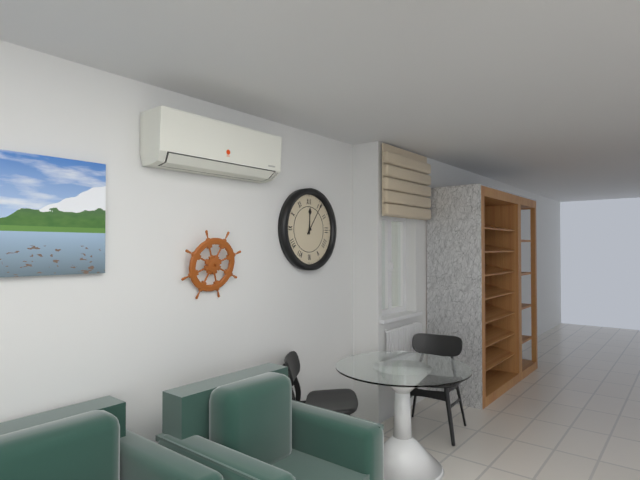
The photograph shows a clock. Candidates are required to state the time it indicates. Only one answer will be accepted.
12:06
